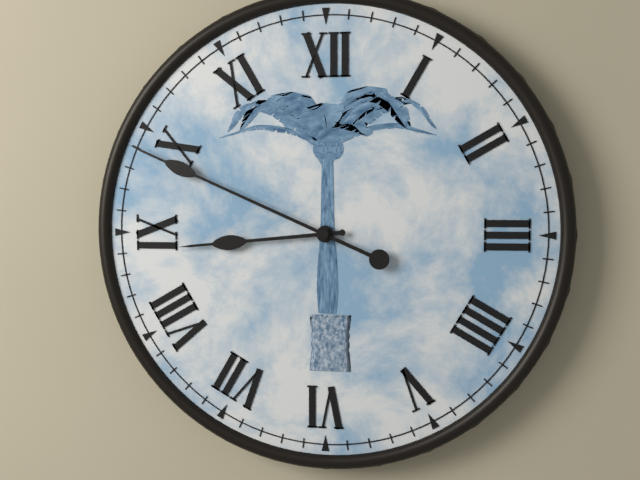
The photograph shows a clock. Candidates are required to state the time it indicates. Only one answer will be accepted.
8:49
